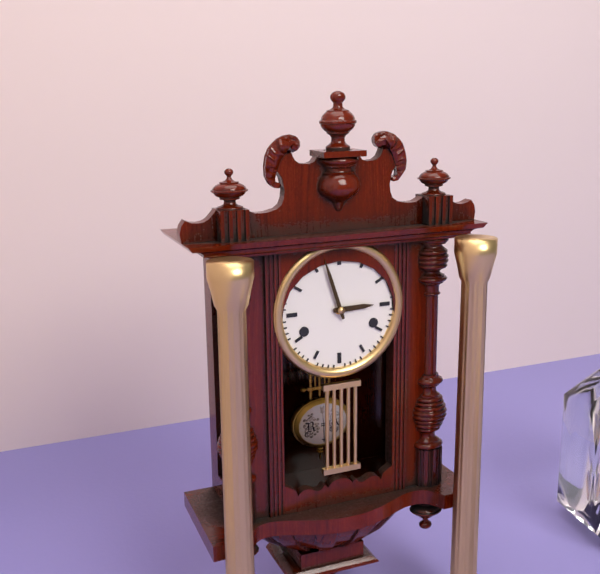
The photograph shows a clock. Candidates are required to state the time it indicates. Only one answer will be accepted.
2:57
